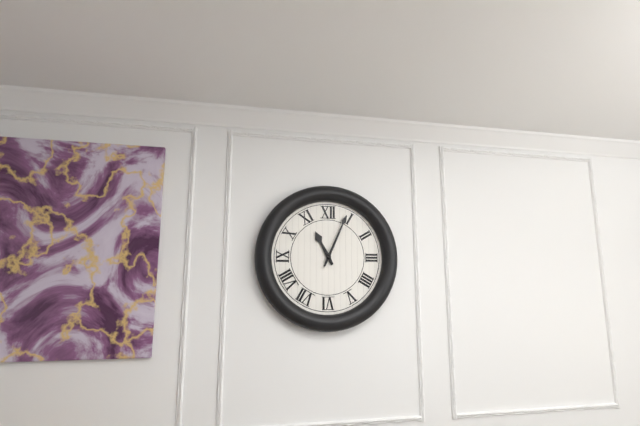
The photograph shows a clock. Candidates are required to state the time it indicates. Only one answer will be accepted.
11:04
